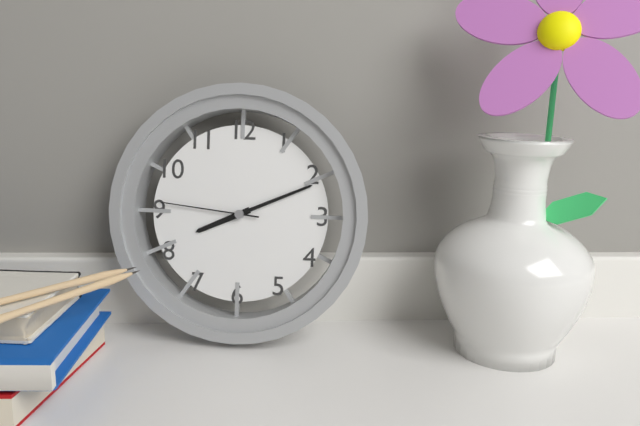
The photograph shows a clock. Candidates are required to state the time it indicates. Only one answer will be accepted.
8:11:46
